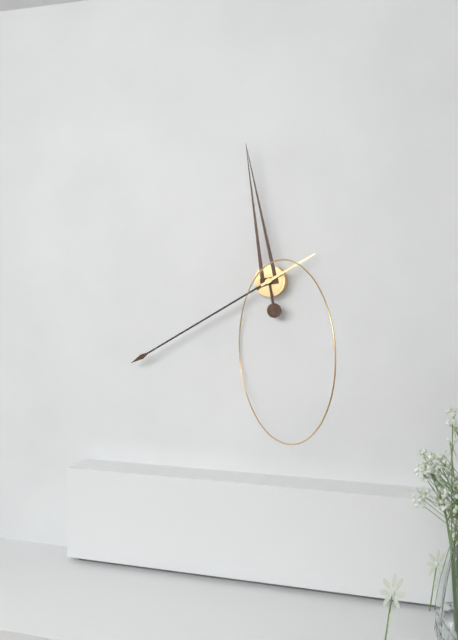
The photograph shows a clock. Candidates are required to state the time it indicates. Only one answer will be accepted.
11:40
